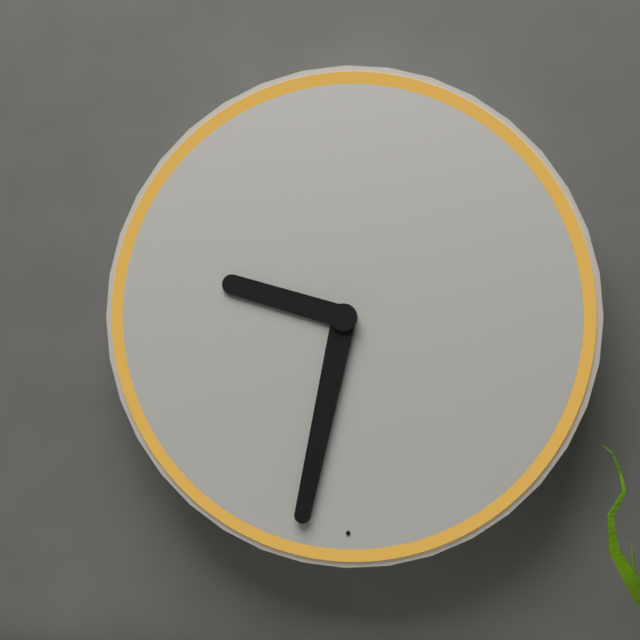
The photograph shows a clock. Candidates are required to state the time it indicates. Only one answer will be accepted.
9:32
